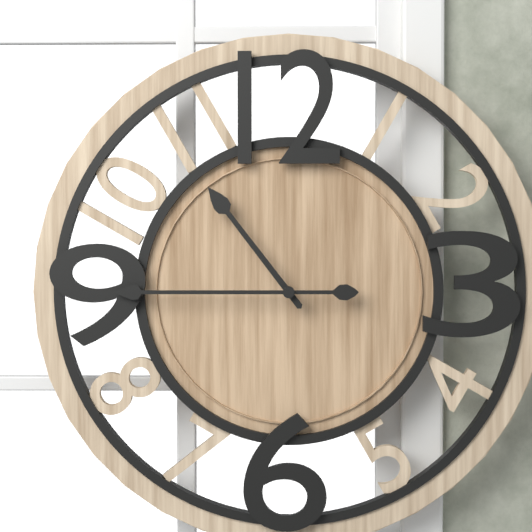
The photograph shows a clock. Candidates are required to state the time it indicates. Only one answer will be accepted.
10:45
